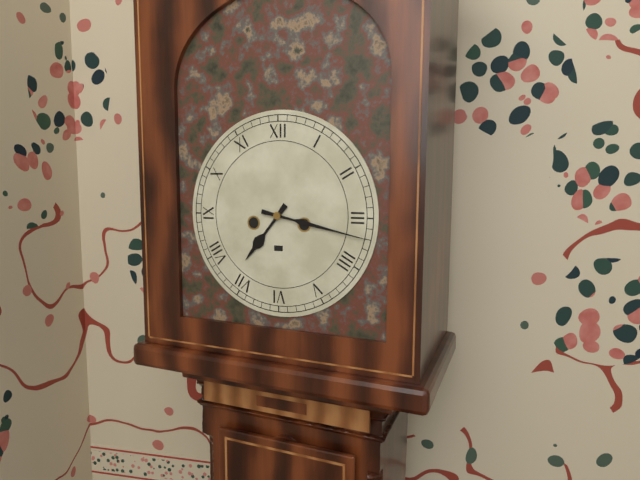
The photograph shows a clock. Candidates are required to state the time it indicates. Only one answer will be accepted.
7:17
